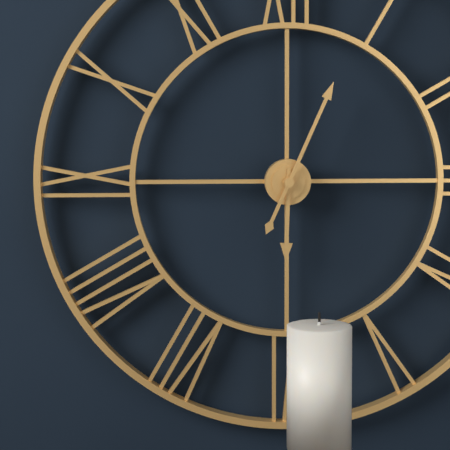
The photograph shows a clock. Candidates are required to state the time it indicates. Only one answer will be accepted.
6:04
